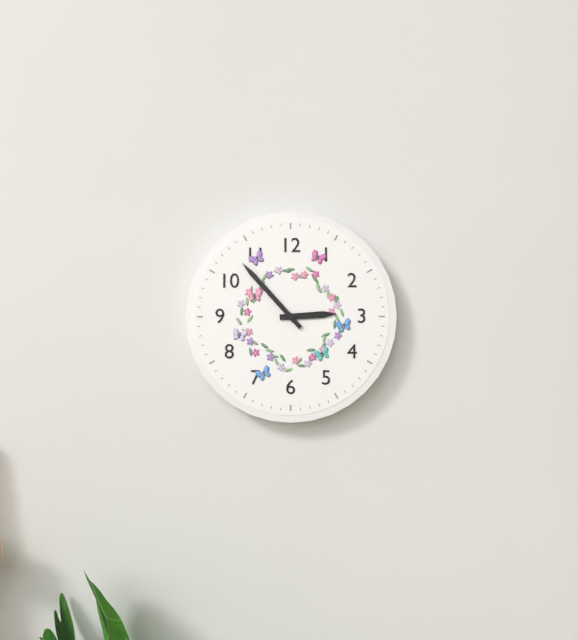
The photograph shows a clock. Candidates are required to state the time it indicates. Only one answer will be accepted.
2:53
